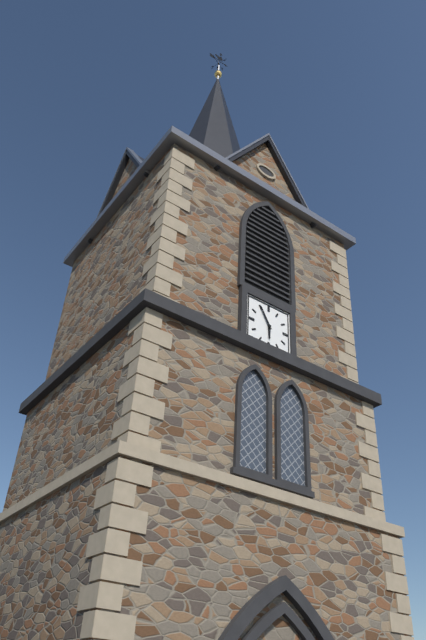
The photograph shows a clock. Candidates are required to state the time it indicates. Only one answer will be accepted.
5:55
